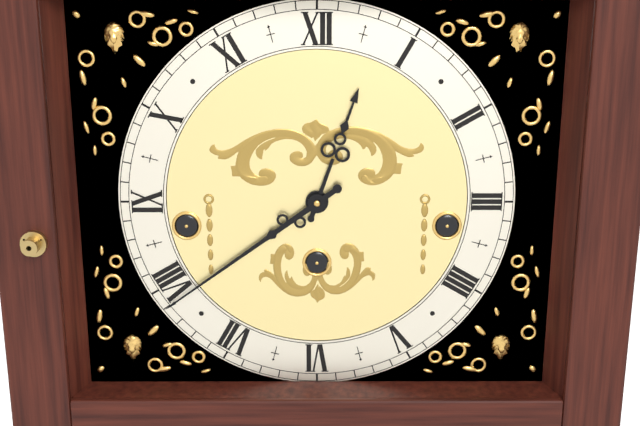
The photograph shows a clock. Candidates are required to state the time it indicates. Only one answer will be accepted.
12:39
